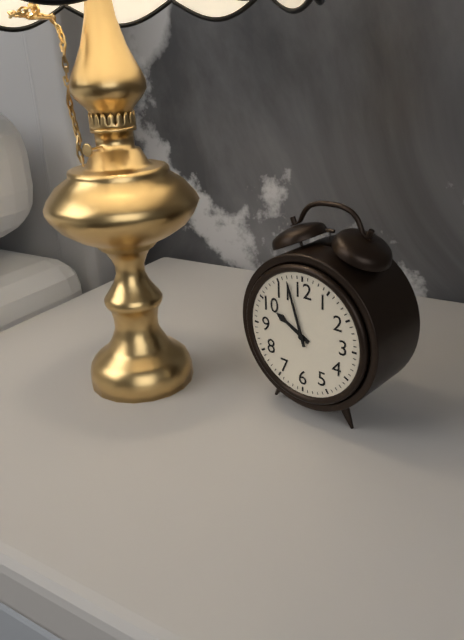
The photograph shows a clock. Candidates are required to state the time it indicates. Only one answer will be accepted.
9:57
